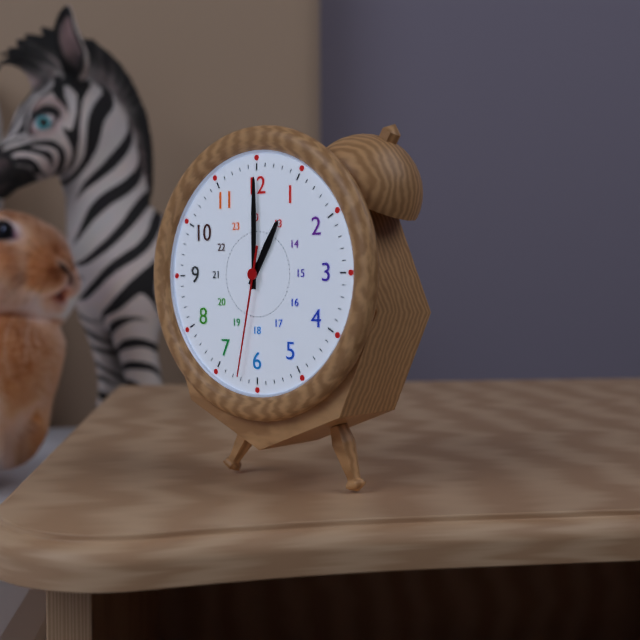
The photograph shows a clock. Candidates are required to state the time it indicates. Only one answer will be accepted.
1:00:32
